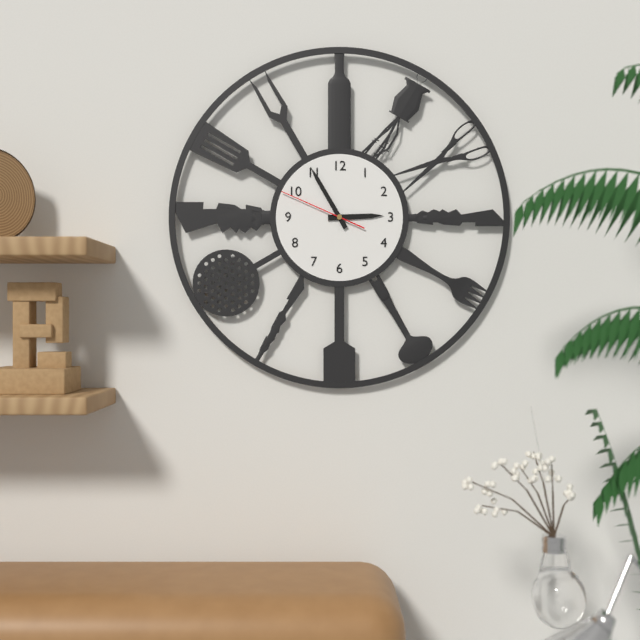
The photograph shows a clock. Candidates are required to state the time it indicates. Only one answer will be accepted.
2:55:49
